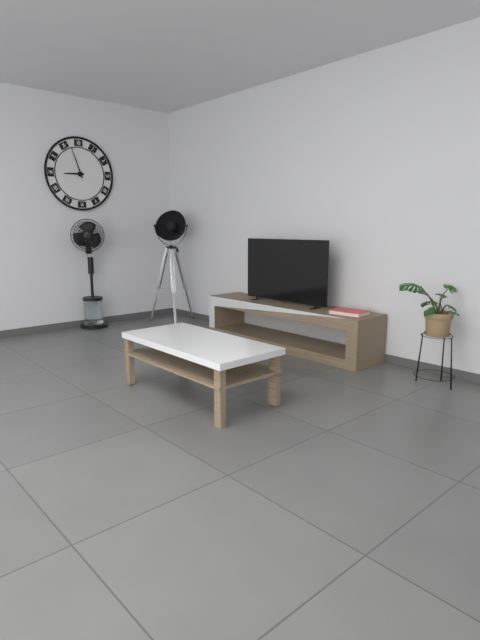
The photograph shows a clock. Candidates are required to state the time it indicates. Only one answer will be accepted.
8:57
